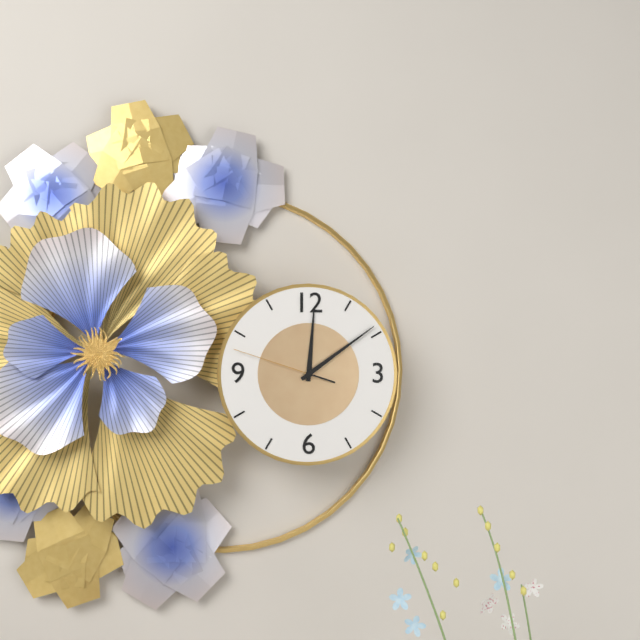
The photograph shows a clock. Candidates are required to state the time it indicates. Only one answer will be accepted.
12:09:48
